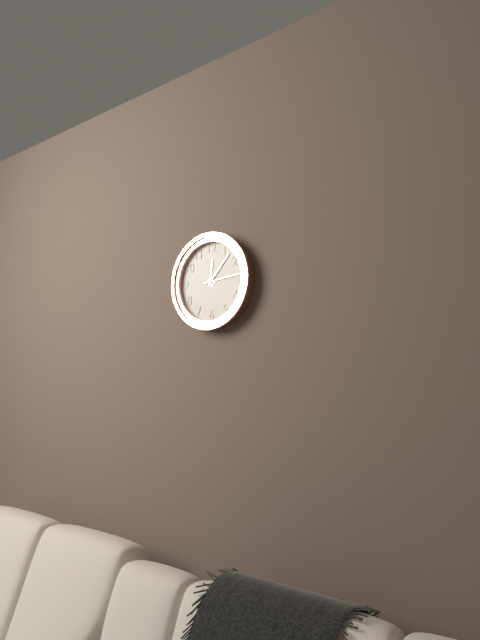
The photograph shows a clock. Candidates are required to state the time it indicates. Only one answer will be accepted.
12:07
